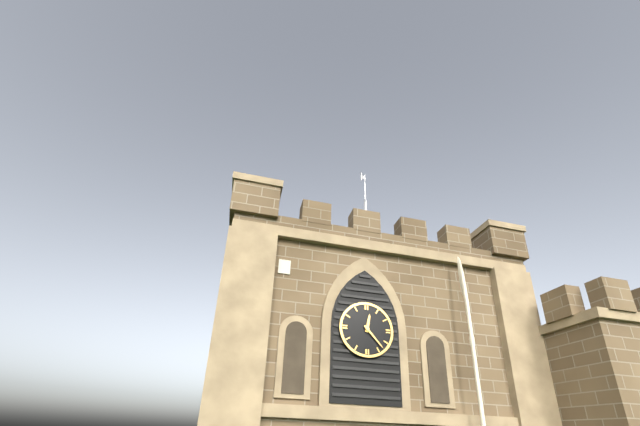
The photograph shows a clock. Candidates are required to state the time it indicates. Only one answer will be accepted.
12:23
